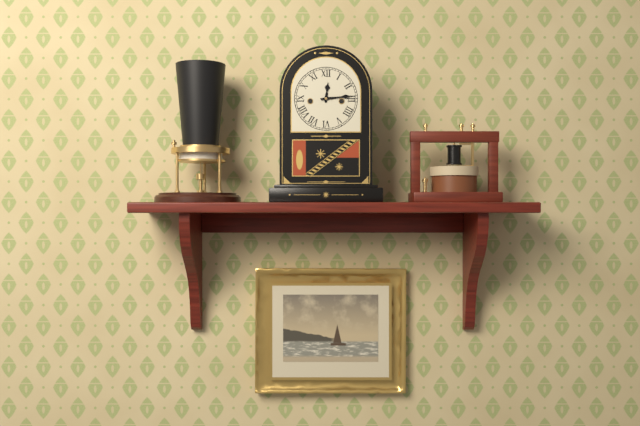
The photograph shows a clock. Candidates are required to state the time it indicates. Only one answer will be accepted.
12:14
